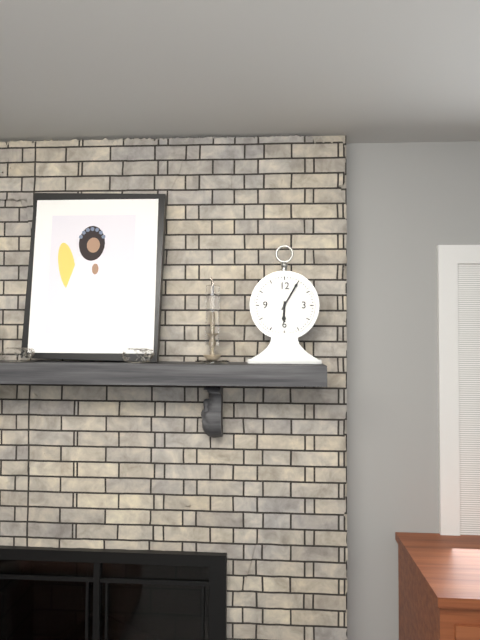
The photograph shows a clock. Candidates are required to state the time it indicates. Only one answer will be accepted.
6:05
